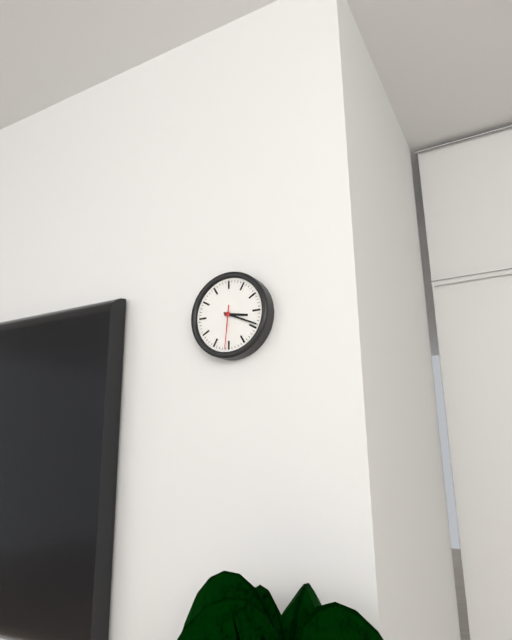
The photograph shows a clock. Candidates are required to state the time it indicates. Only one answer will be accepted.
3:19
